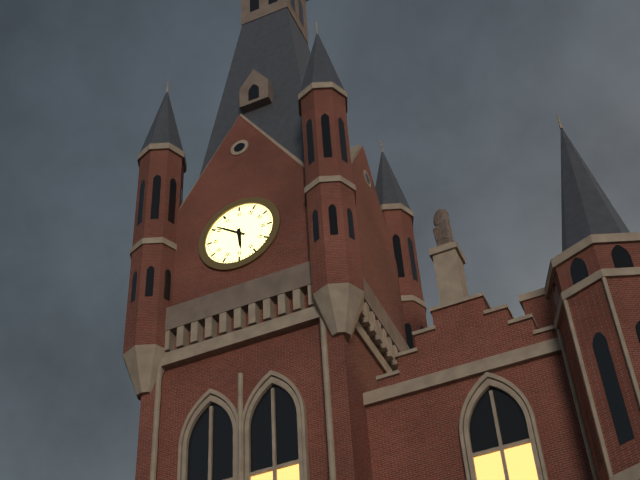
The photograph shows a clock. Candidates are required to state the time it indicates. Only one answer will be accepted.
5:51
